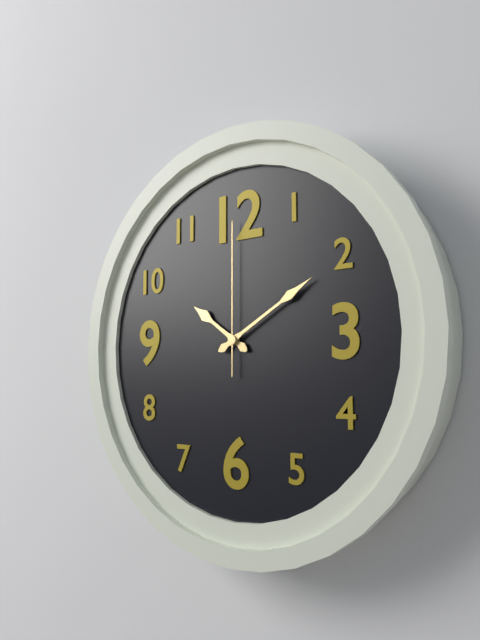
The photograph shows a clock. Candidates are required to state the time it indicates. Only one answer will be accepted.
10:10:00
